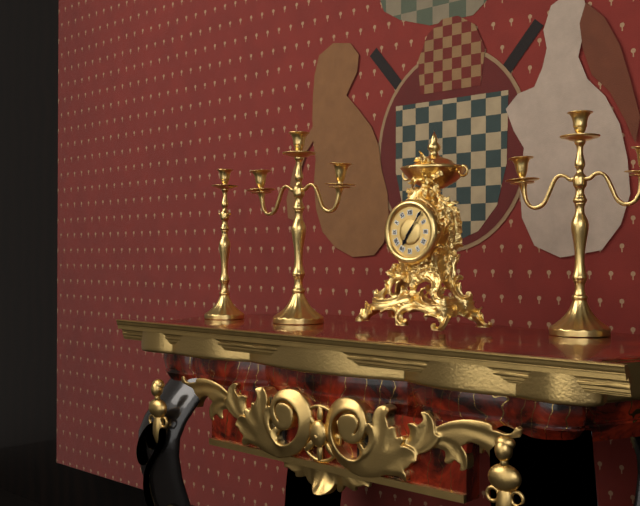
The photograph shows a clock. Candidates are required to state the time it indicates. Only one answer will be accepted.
7:06
